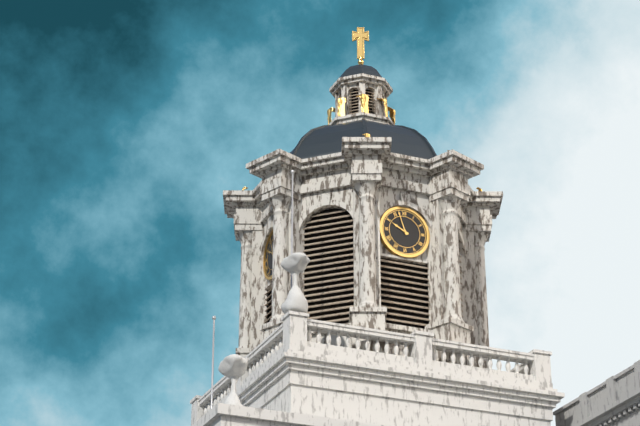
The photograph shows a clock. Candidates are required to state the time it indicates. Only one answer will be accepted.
9:57
